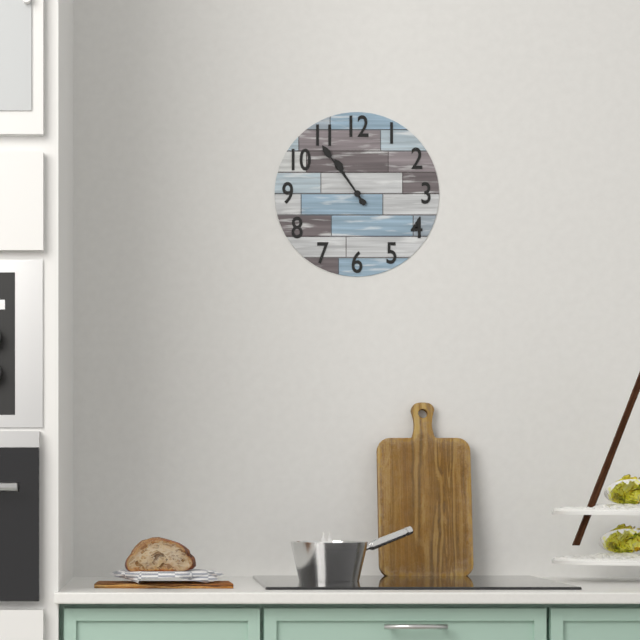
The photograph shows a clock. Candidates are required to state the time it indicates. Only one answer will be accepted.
10:54
